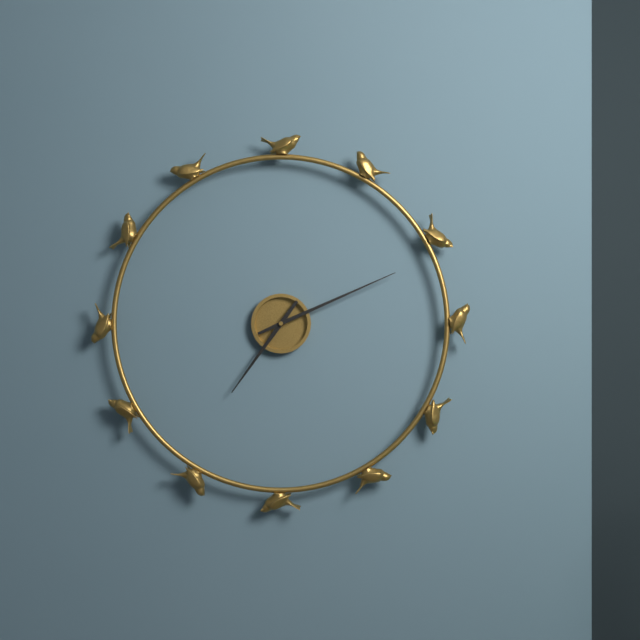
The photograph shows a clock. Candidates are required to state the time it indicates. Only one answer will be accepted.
7:11
